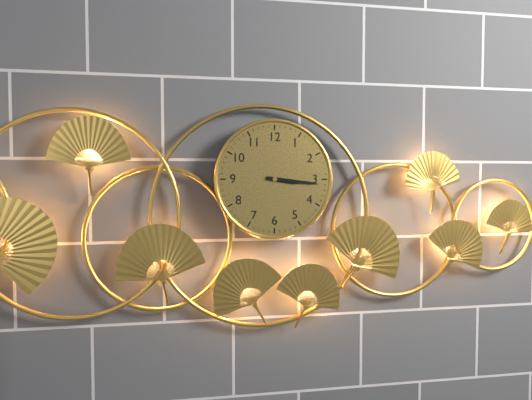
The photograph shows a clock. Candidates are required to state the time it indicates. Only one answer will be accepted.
3:16
